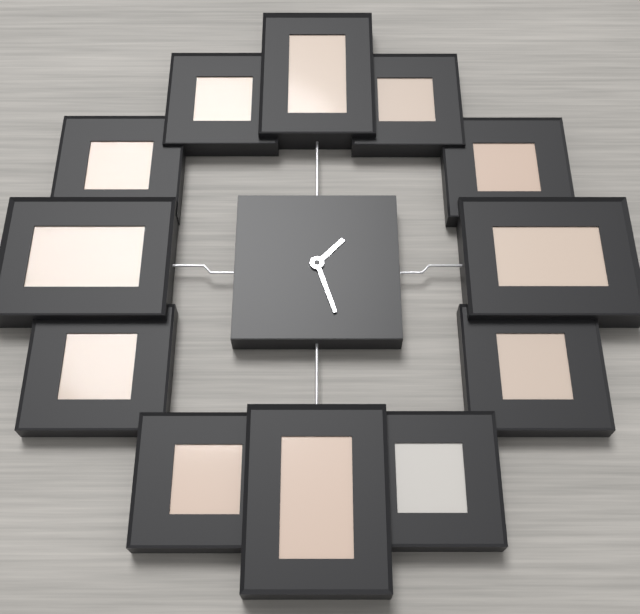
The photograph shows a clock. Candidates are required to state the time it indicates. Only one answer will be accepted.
1:27
